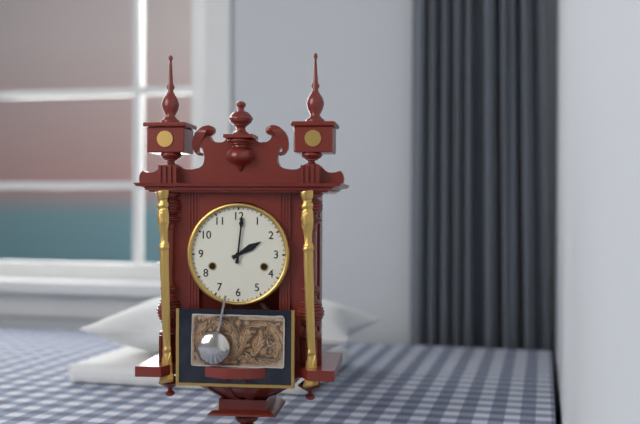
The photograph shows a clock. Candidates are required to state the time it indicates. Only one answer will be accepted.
2:01
